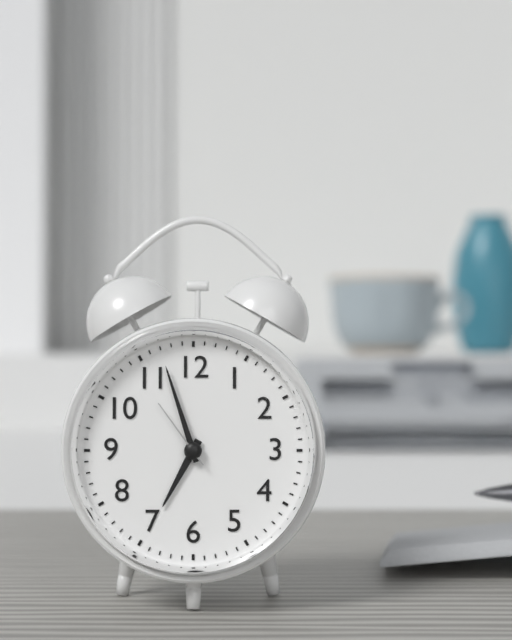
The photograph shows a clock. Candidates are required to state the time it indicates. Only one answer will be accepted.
6:57:54
